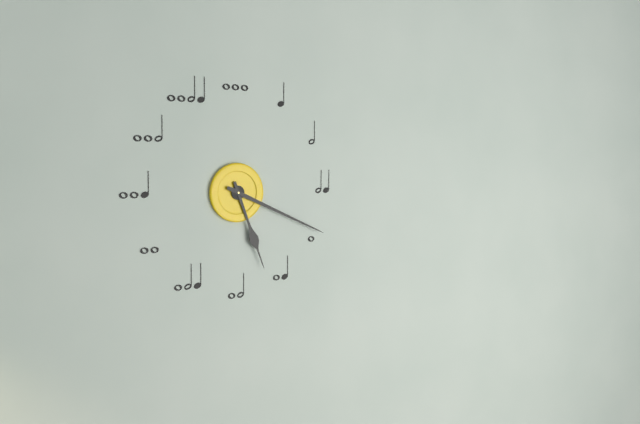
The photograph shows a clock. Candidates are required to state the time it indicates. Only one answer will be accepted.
5:19
